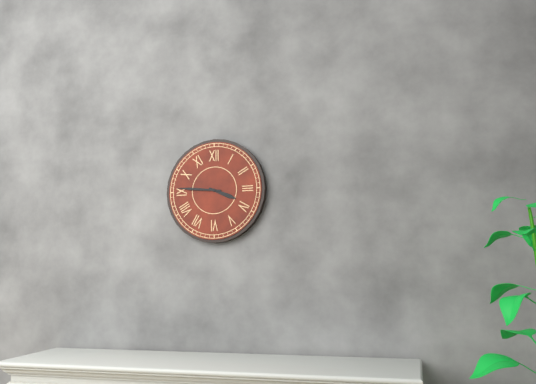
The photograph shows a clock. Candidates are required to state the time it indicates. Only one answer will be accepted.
3:46
